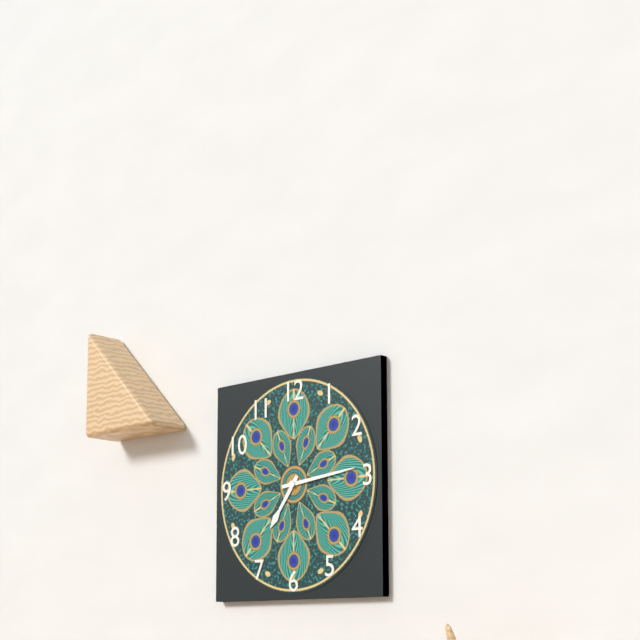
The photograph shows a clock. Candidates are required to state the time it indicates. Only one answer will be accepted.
7:14
